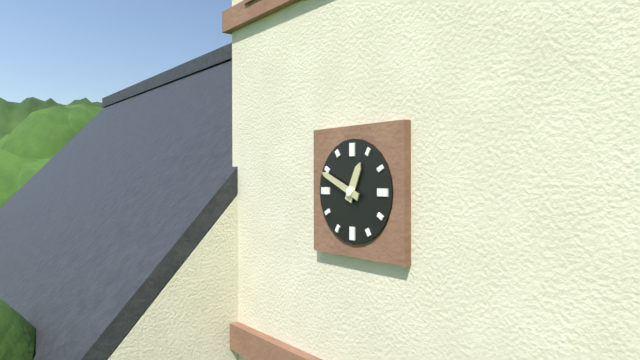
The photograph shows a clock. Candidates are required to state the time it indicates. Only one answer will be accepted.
12:49
